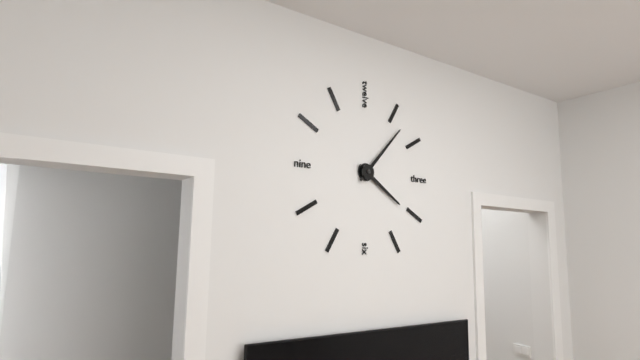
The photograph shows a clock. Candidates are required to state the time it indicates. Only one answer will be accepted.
4:07
